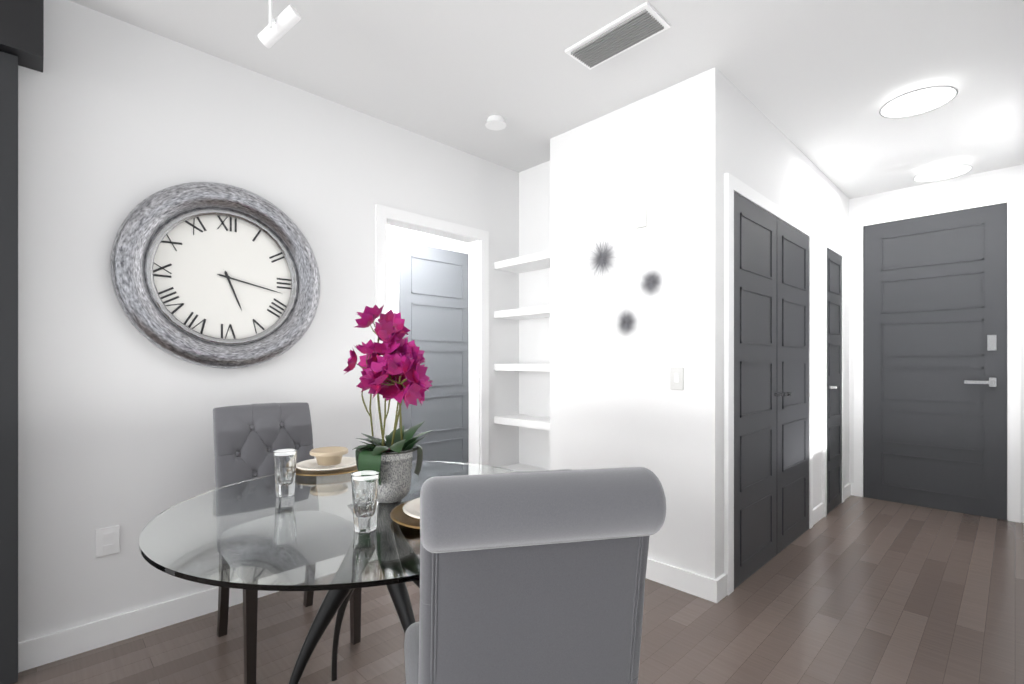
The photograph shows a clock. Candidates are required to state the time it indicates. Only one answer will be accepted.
5:17
